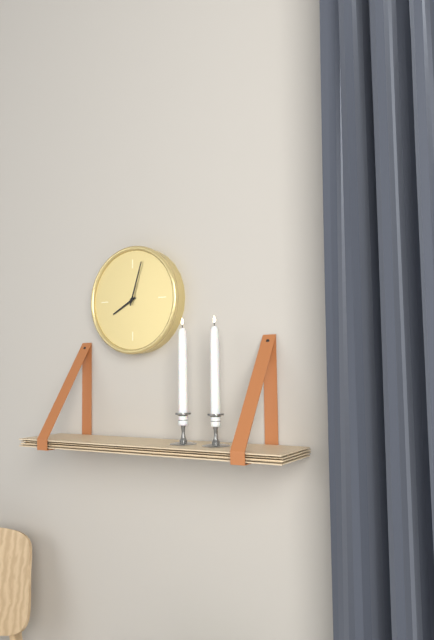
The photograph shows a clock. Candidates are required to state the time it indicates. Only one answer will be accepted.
8:03
